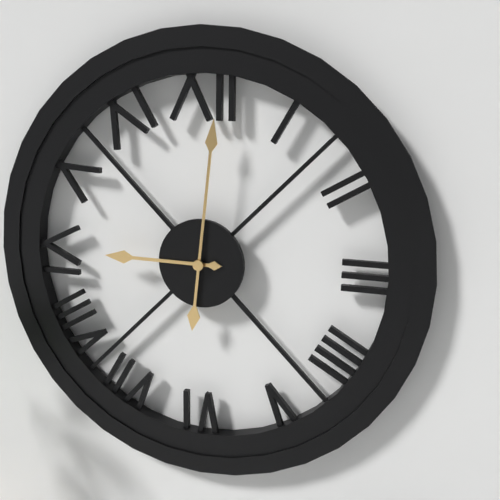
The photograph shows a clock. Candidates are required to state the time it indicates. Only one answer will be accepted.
9:01
